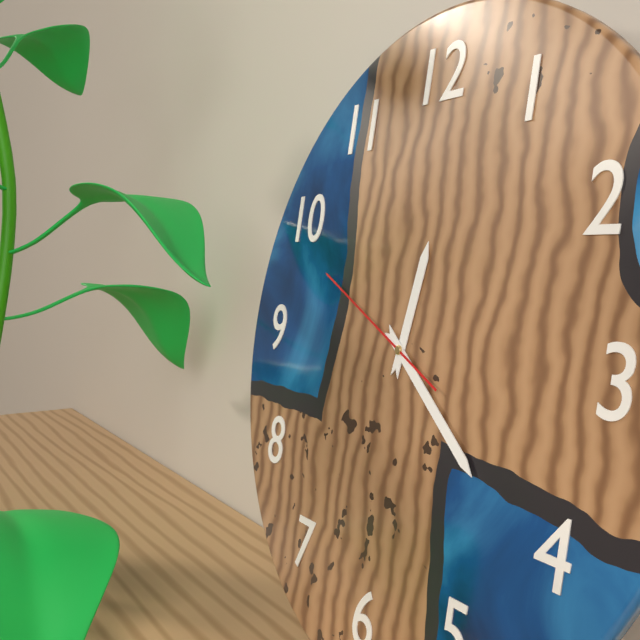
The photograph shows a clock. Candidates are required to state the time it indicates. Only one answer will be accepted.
12:21:49
